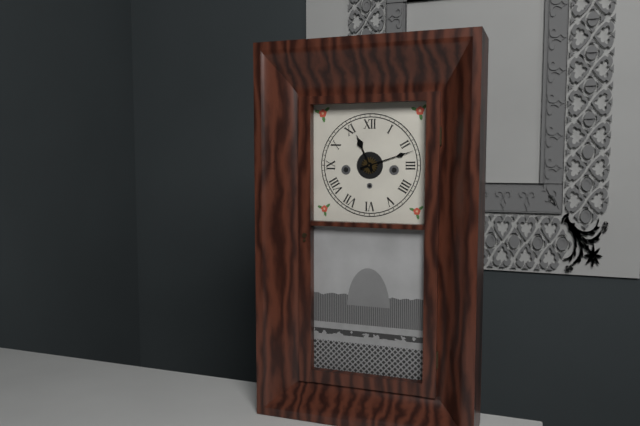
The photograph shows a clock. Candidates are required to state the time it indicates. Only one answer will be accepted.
11:12
